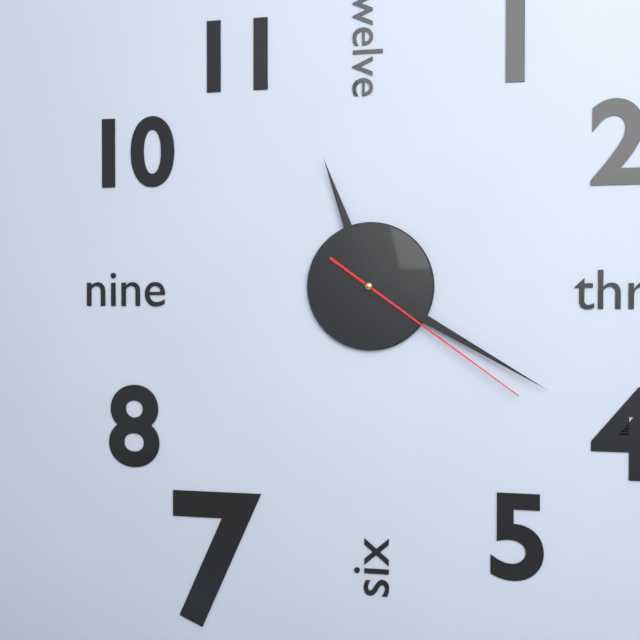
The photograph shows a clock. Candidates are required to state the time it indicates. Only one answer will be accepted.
11:20:21
